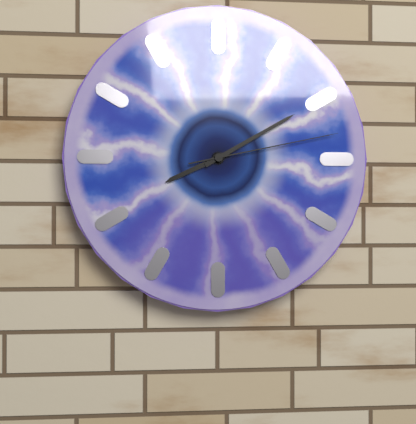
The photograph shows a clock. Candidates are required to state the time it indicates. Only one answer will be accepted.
8:10:13
